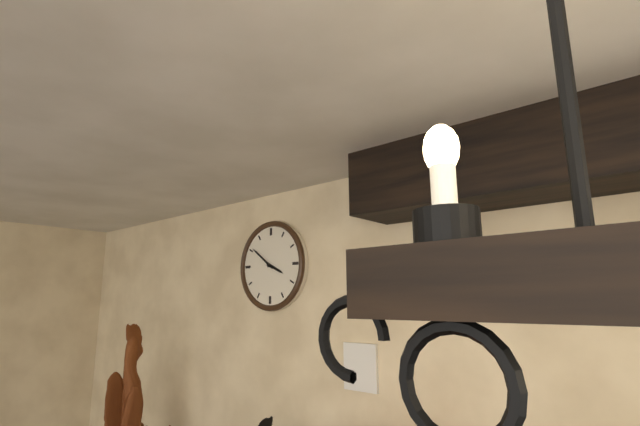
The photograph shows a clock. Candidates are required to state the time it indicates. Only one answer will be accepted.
3:51
